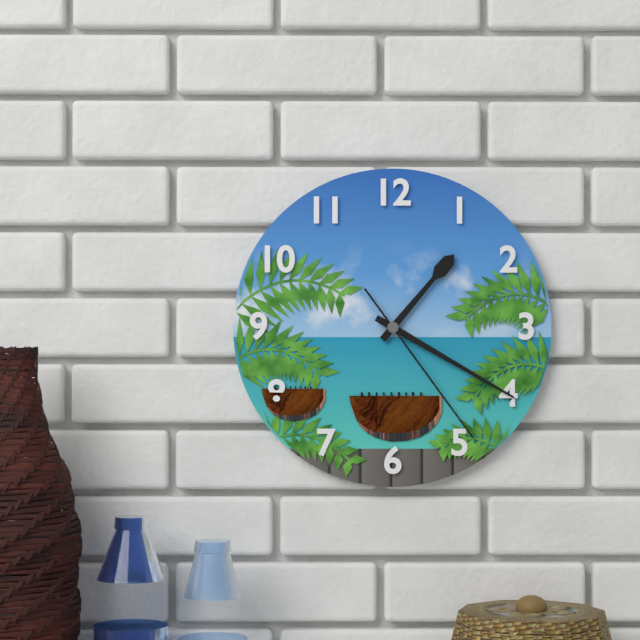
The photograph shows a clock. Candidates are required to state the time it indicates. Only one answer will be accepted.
1:20:24
